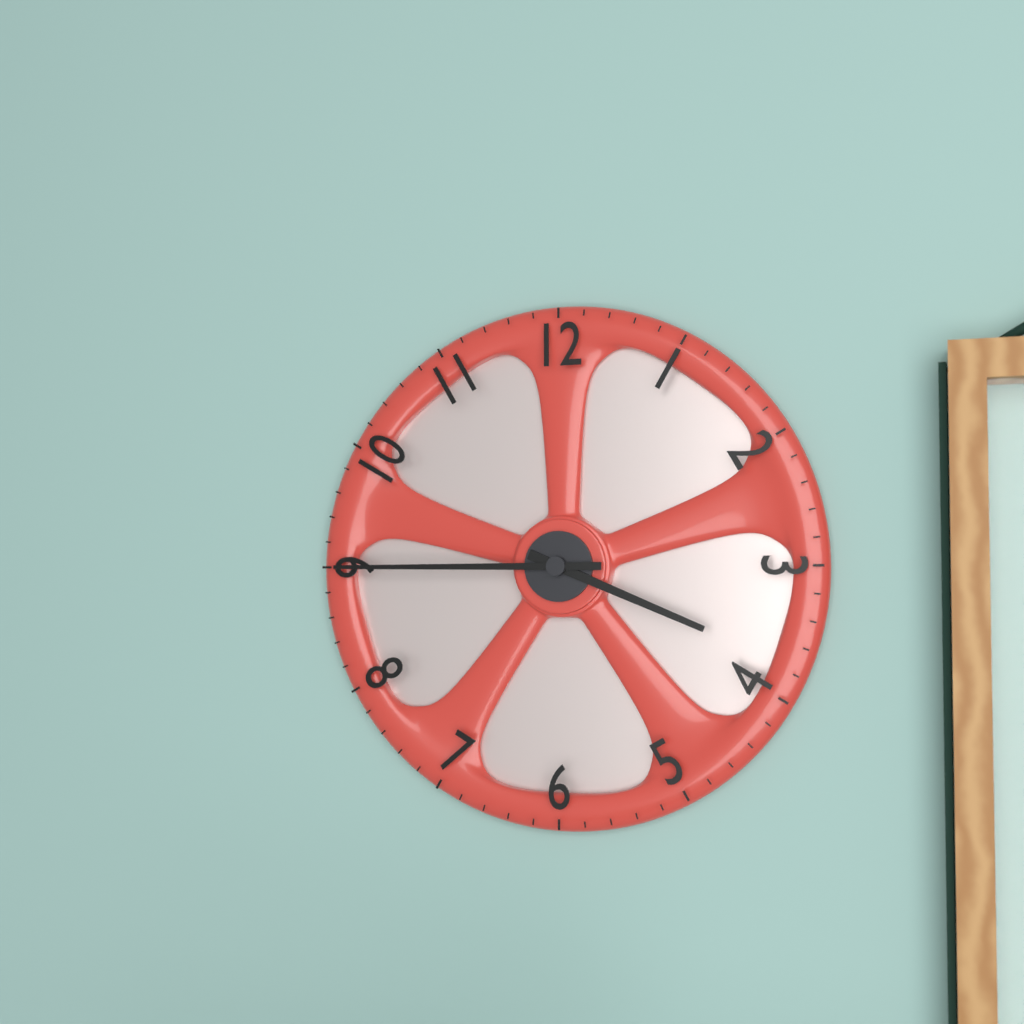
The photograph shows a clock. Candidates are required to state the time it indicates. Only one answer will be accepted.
3:45
